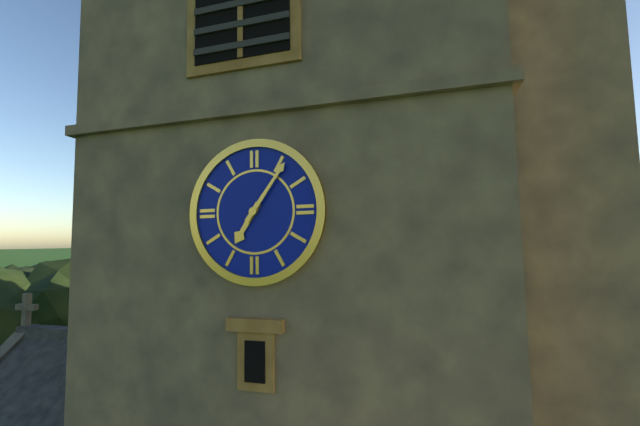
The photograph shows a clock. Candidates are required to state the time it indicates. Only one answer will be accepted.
7:06
